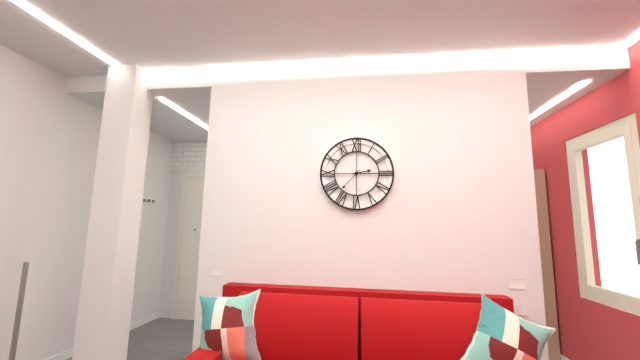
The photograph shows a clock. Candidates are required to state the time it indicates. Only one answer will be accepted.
2:37
